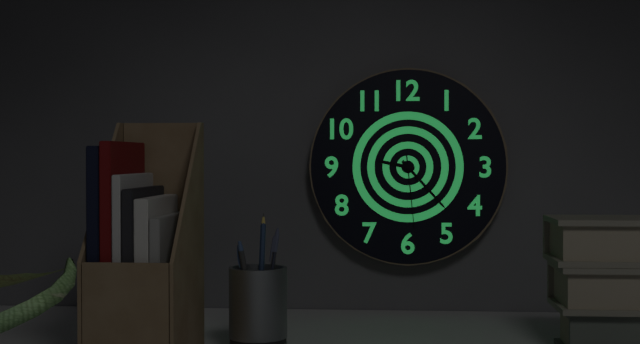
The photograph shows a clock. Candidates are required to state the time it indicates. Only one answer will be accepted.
9:23:29
